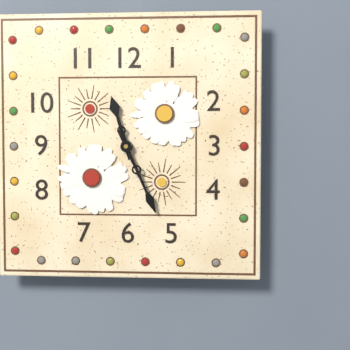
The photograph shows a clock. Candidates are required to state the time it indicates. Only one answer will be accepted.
11:26
